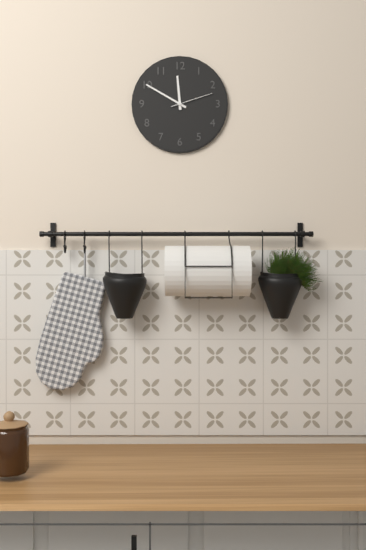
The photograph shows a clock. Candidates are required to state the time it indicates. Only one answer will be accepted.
11:50
